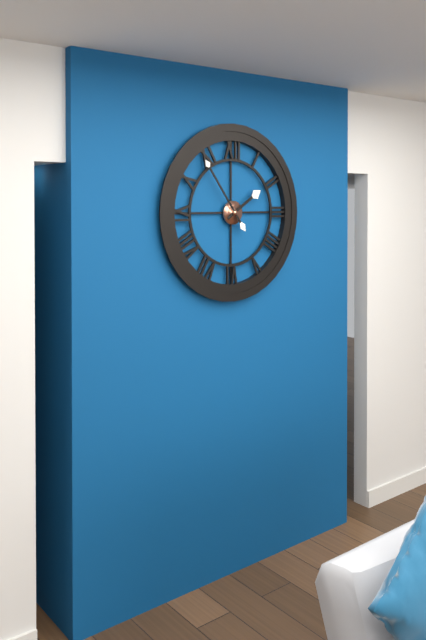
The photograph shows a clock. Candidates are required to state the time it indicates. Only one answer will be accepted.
1:54
